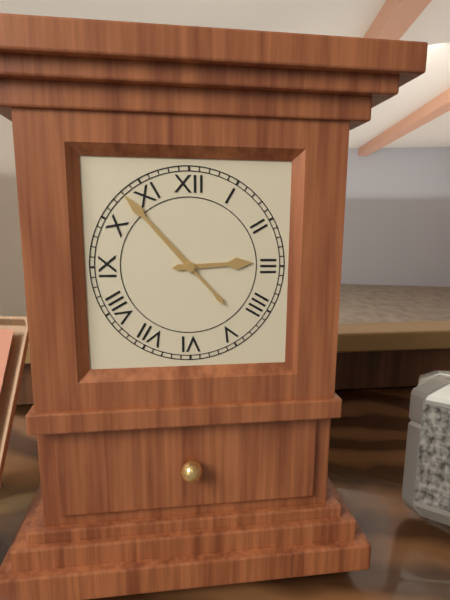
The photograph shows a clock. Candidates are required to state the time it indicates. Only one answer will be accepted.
2:53
